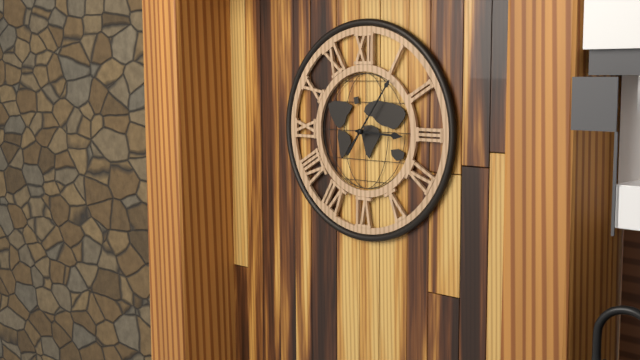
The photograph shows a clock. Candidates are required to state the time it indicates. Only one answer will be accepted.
3:06
